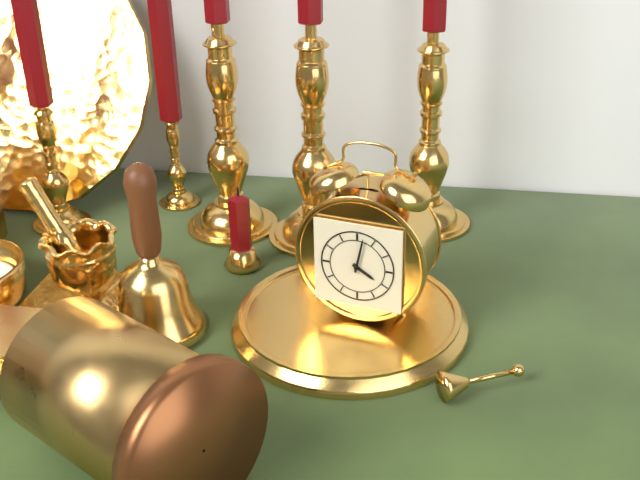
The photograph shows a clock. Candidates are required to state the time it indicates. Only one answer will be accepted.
4:02
